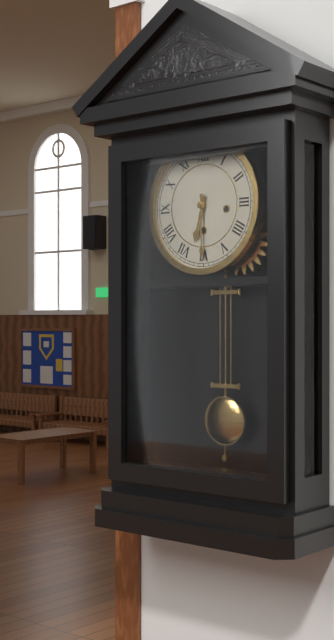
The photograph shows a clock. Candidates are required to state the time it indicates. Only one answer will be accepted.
6:30
